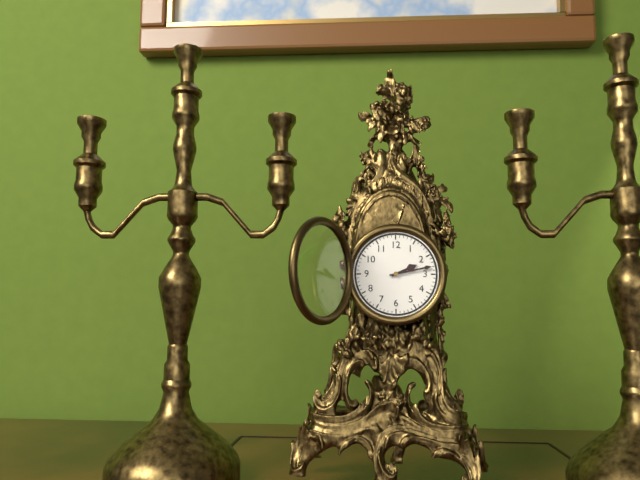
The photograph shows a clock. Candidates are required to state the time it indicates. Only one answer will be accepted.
2:13
